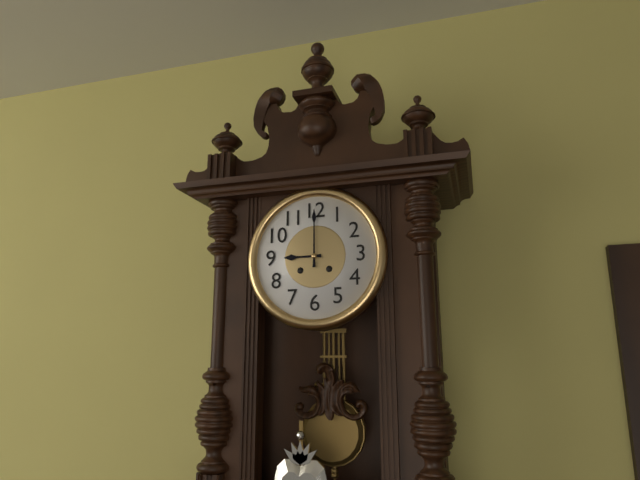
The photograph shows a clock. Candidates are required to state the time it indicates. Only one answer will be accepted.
9:00
